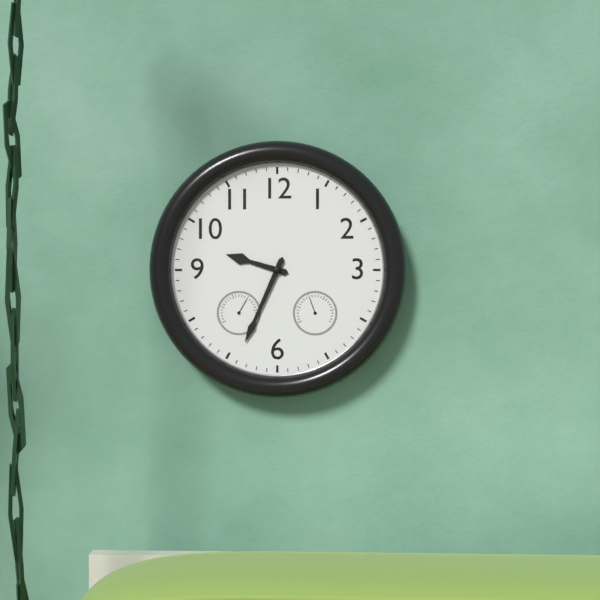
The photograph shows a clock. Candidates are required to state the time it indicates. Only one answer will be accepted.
9:34
